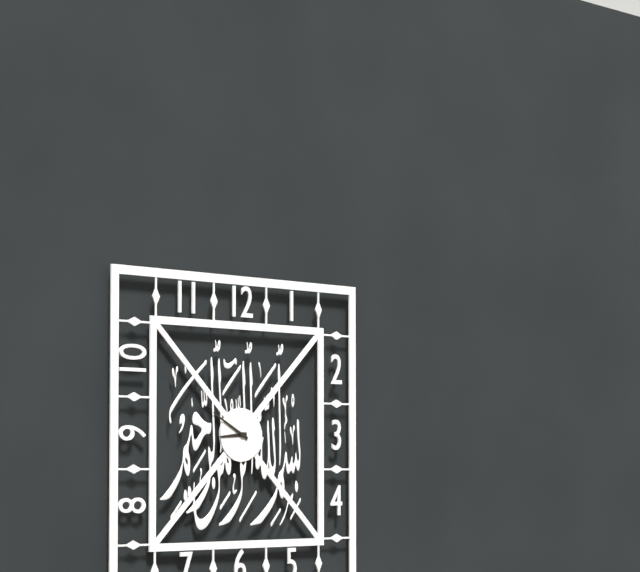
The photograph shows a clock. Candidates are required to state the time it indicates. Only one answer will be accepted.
8:50
